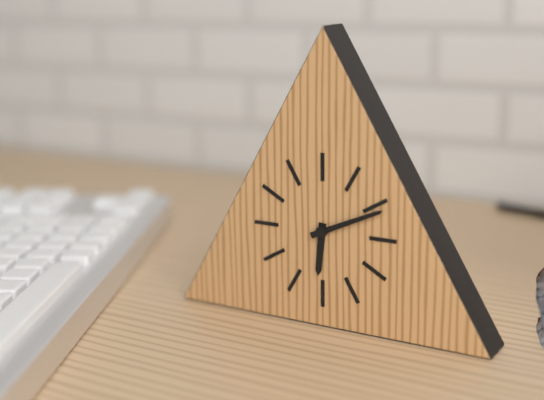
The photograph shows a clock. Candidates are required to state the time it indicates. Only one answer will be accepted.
6:11
